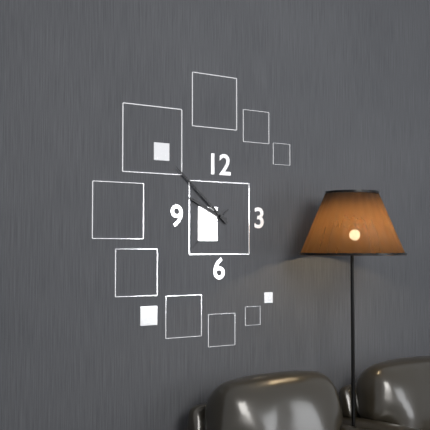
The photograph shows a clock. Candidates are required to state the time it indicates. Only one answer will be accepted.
9:52:38
